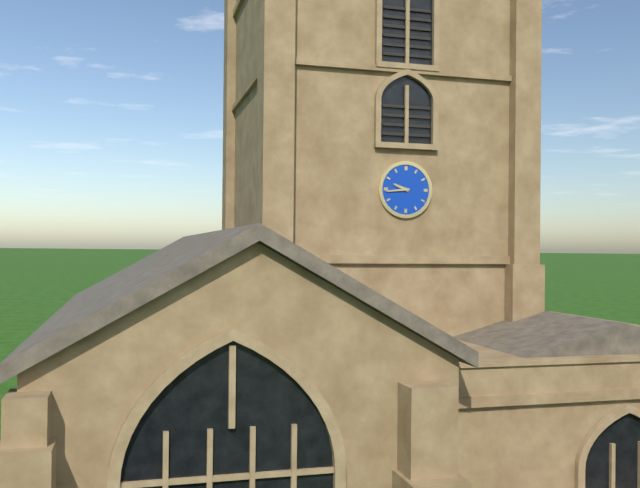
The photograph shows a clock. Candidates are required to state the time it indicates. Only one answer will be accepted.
9:44
